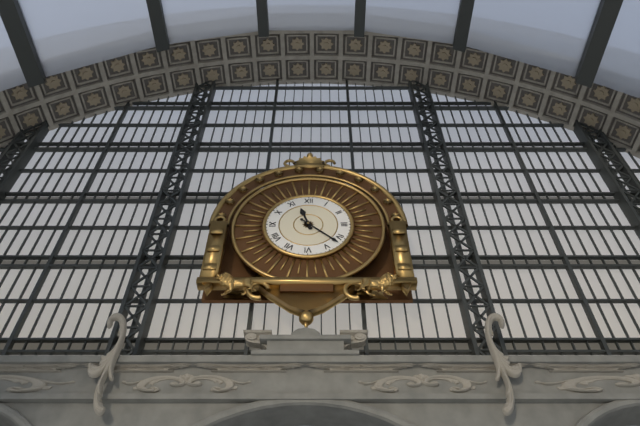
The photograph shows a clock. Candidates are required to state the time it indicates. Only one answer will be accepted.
11:22
